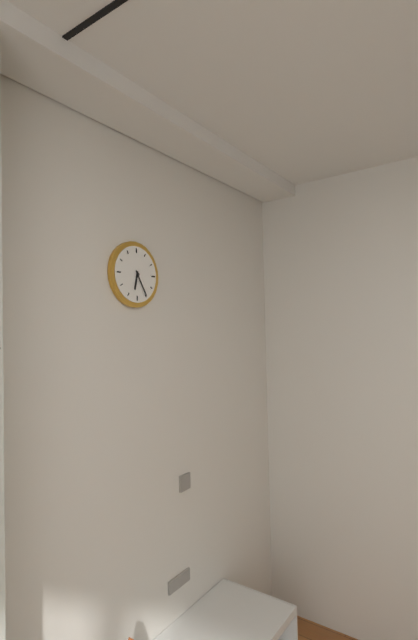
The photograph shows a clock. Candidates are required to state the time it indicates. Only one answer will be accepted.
6:25
